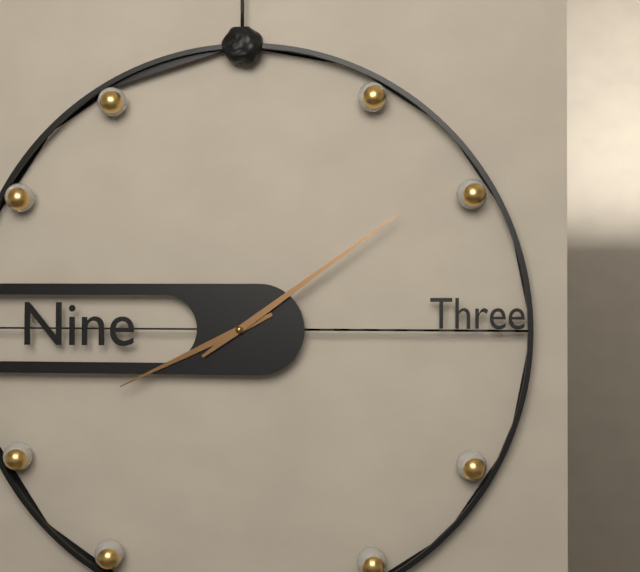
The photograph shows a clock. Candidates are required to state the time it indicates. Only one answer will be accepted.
8:09
